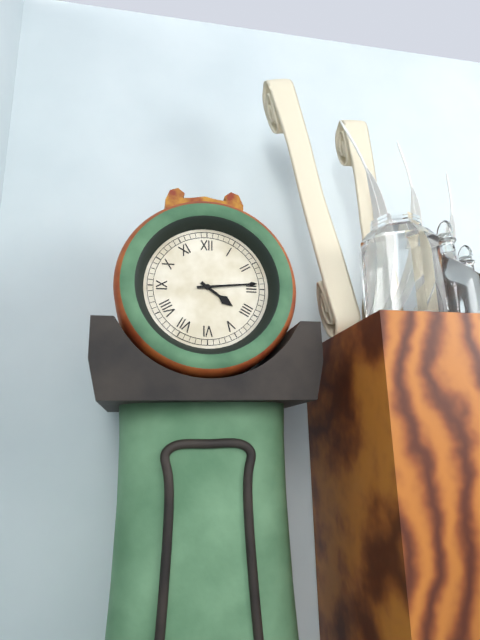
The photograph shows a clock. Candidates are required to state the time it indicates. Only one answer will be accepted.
4:14
